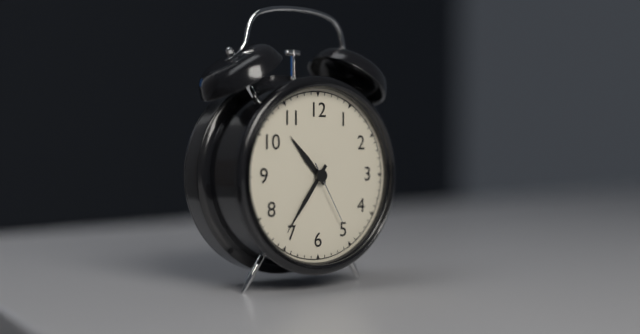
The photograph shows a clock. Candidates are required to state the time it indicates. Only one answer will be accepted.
10:36:25
